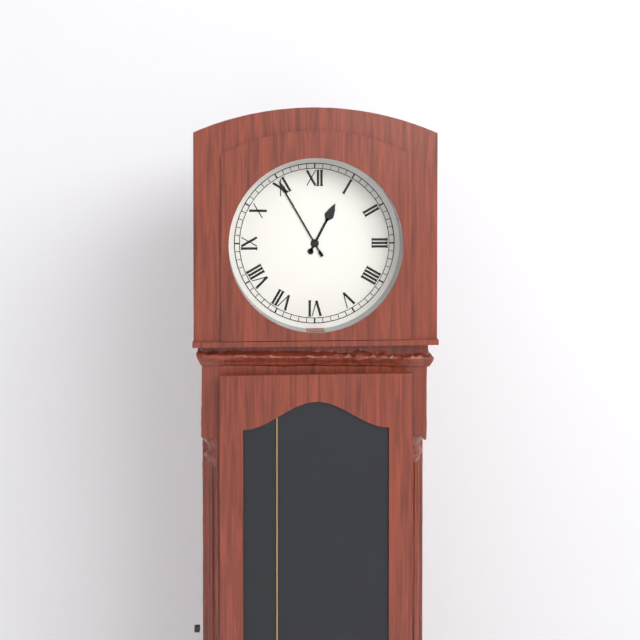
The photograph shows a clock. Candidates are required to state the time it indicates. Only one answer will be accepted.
12:55
